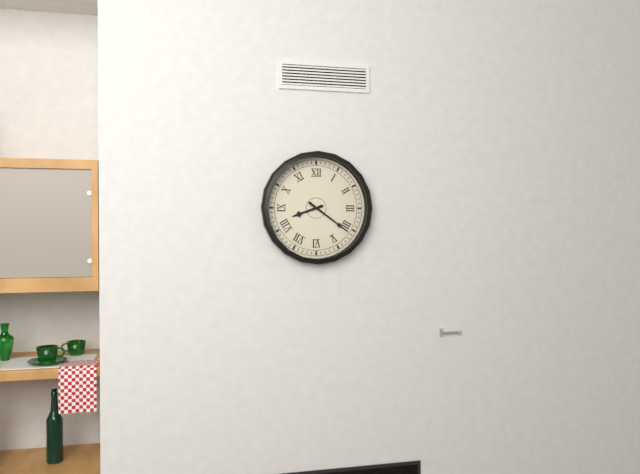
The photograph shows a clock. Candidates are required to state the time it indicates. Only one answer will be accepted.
8:21
